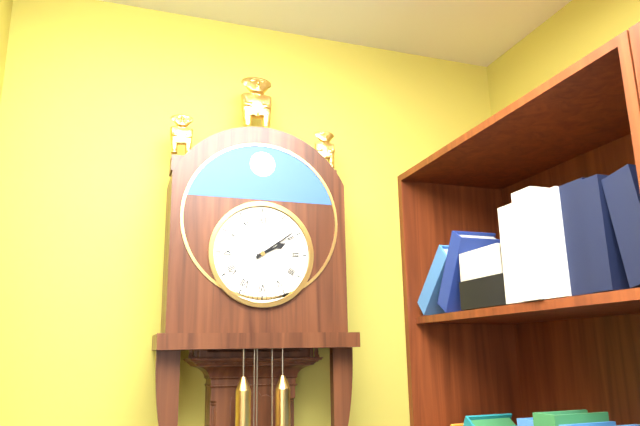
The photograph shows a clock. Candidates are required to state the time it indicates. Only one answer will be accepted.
2:09
